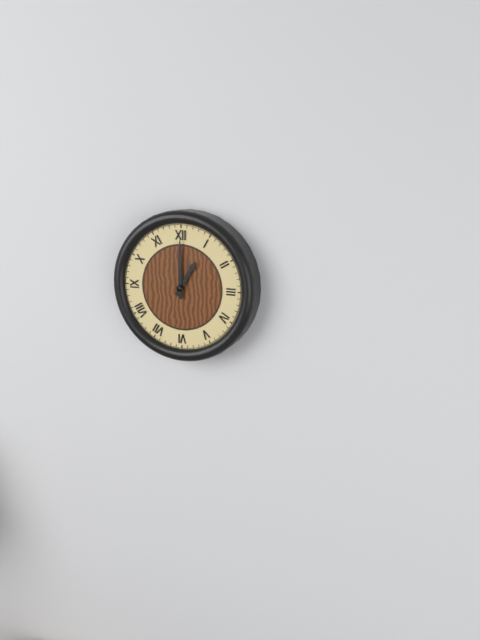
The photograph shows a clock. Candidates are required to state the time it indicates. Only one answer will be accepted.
1:00
